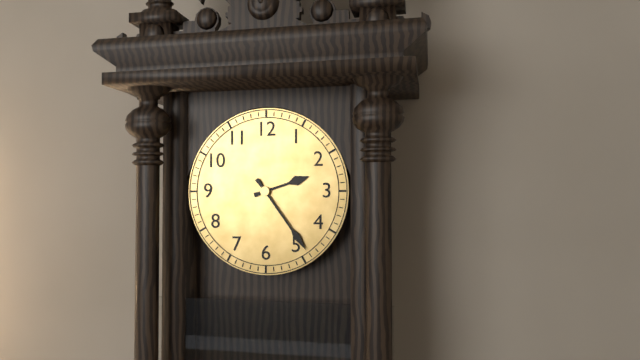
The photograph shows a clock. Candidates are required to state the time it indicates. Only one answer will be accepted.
2:24
